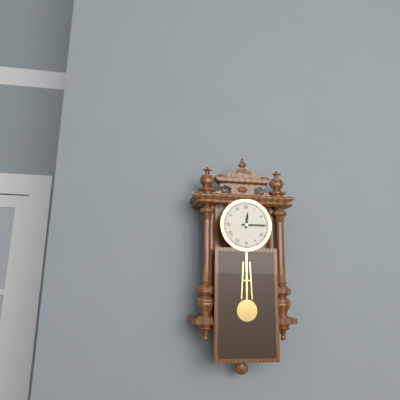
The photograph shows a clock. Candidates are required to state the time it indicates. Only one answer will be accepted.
12:15
